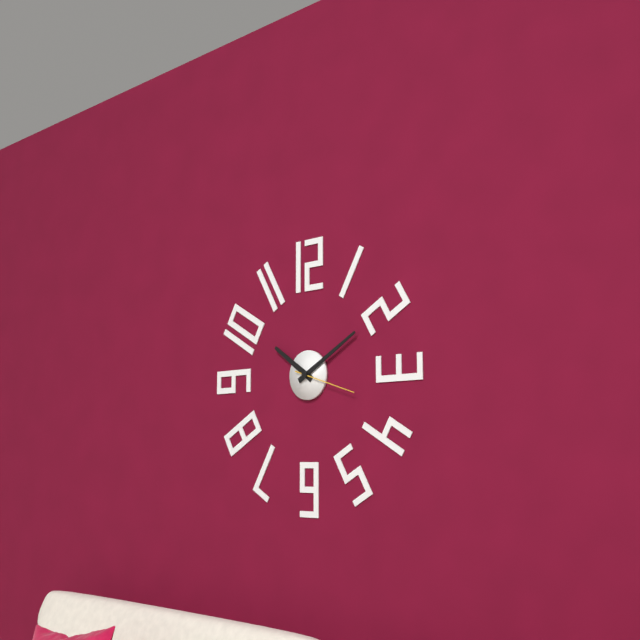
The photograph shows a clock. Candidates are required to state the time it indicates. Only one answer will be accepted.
10:10:18
